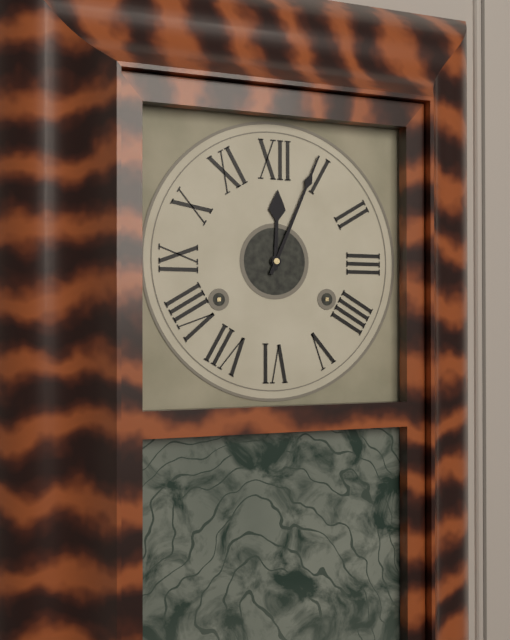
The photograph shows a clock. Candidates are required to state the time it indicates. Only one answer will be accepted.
12:04
